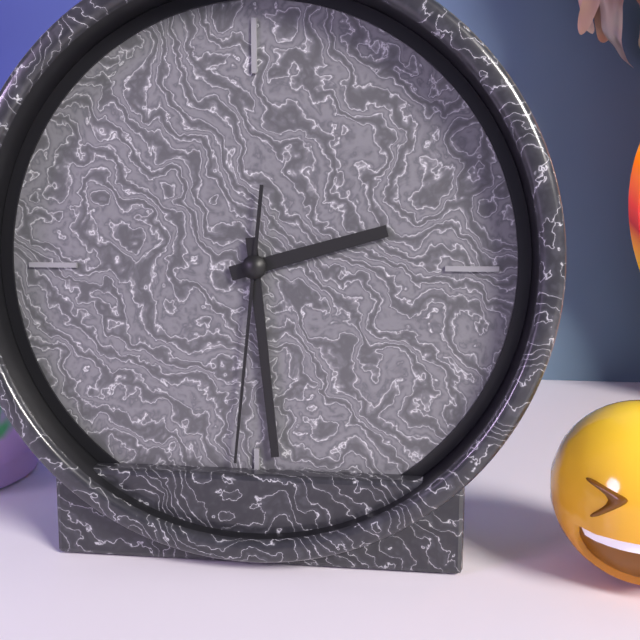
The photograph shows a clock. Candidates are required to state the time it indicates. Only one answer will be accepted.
2:29:31
